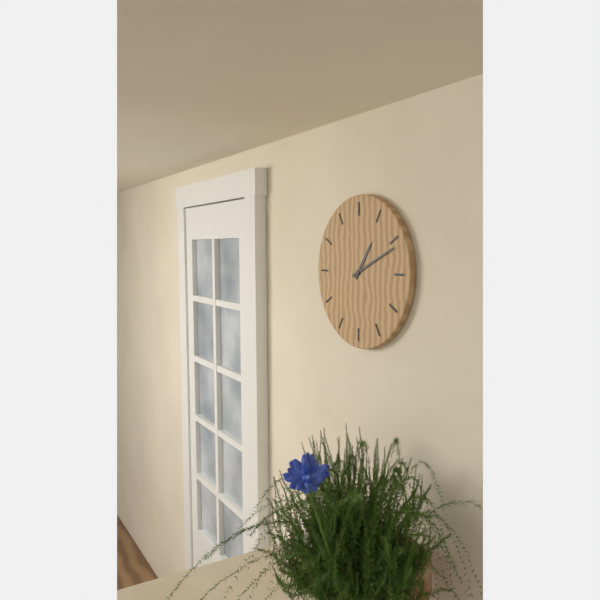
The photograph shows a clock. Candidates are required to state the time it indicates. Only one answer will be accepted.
1:11
